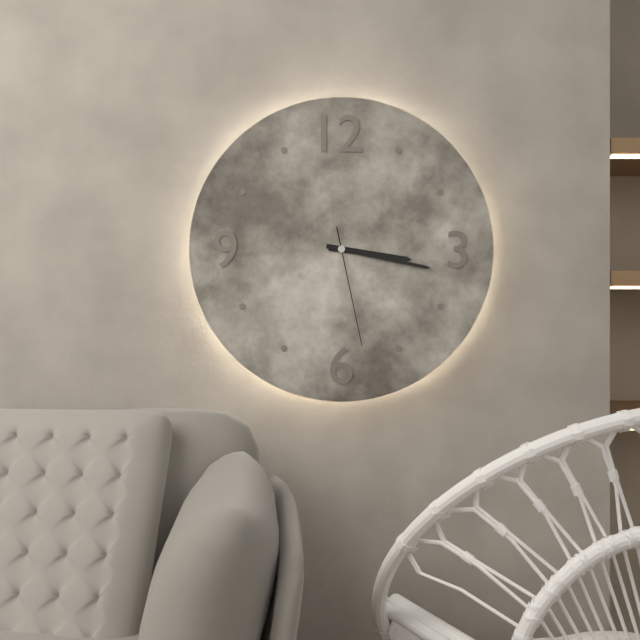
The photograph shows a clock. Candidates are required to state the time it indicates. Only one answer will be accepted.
3:17:28
